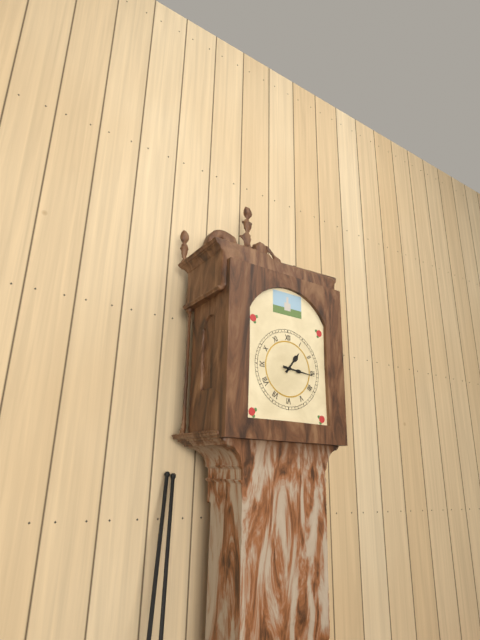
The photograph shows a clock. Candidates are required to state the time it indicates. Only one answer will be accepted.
1:16
